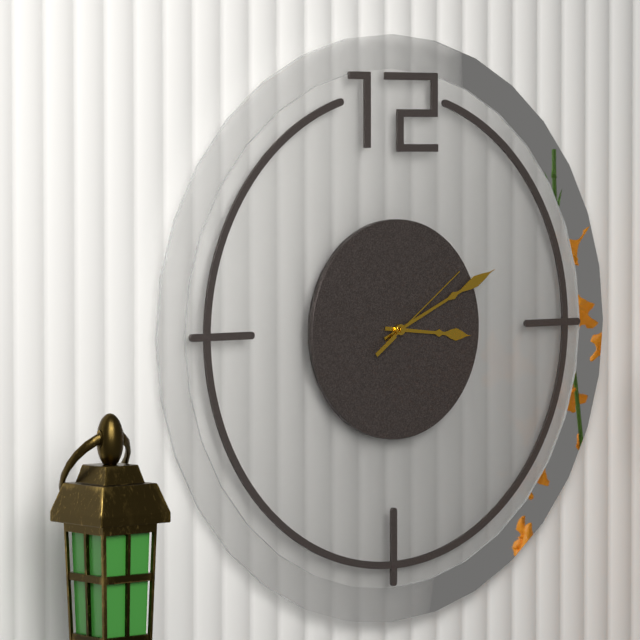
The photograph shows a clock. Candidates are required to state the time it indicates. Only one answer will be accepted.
3:11:09
